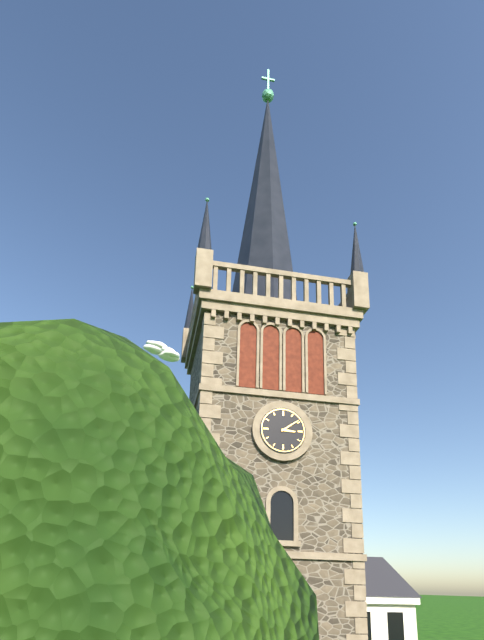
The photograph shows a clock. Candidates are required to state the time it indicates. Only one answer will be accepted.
3:09
